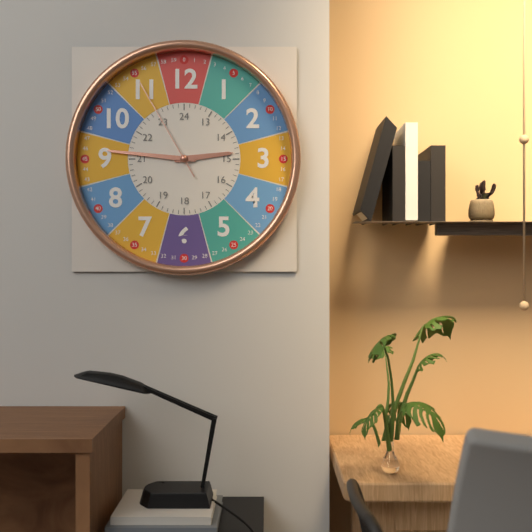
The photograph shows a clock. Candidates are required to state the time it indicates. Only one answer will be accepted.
2:46:55
